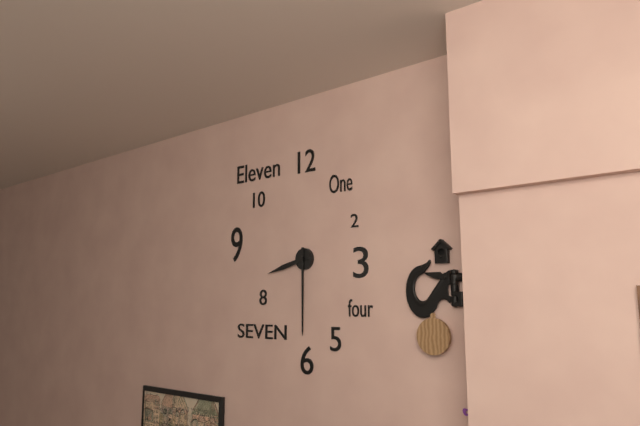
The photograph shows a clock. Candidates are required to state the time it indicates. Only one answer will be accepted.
8:30
